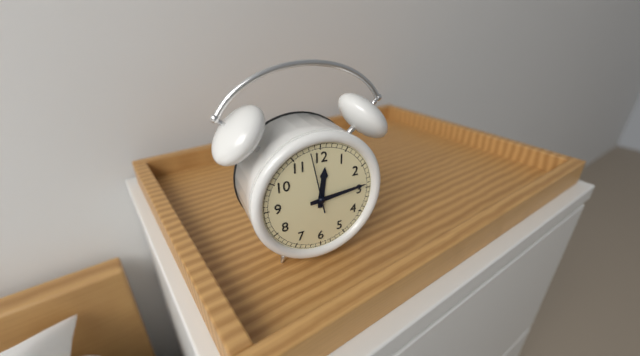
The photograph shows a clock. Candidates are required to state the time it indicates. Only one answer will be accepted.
12:14:58
